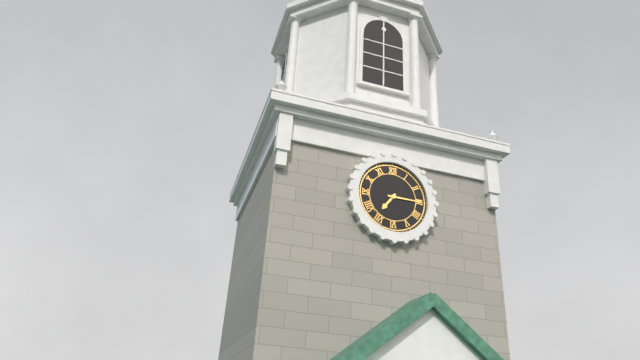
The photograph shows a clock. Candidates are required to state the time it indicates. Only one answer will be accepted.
7:15
